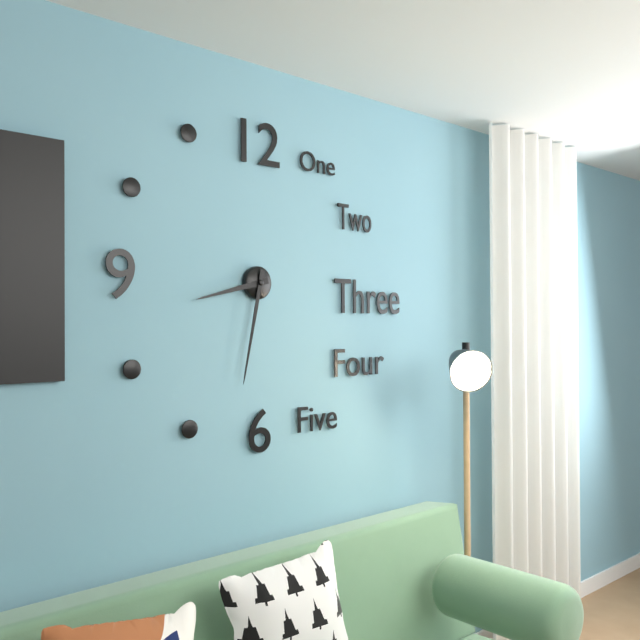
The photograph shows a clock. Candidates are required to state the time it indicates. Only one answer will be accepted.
8:32
